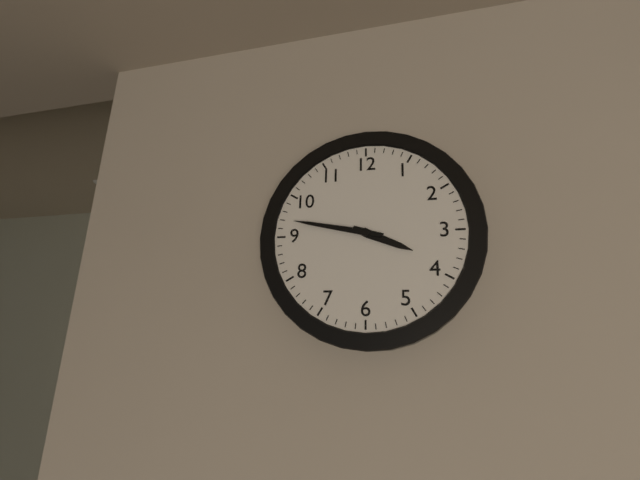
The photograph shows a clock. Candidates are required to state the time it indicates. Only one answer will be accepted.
3:47
